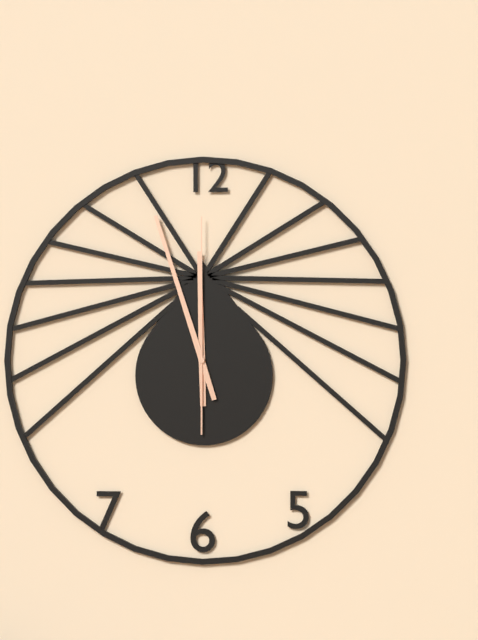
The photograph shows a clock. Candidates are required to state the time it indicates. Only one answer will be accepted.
11:57:00
